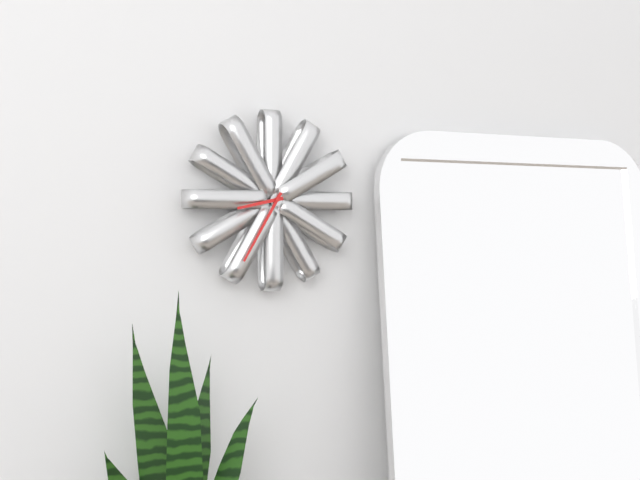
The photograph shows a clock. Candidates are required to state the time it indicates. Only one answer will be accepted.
8:35
